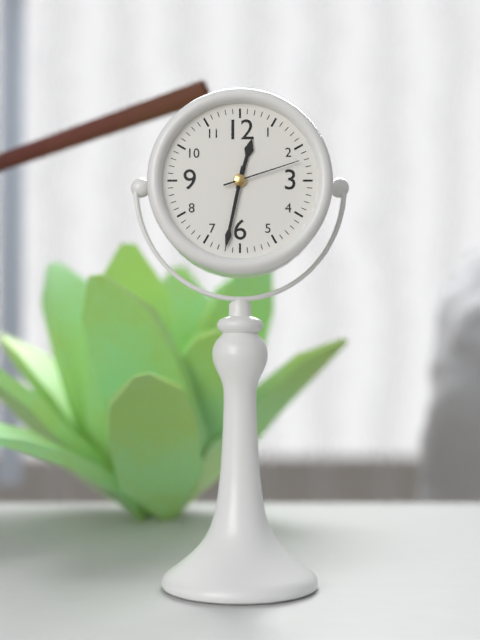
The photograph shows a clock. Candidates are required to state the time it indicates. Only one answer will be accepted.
12:32:12
